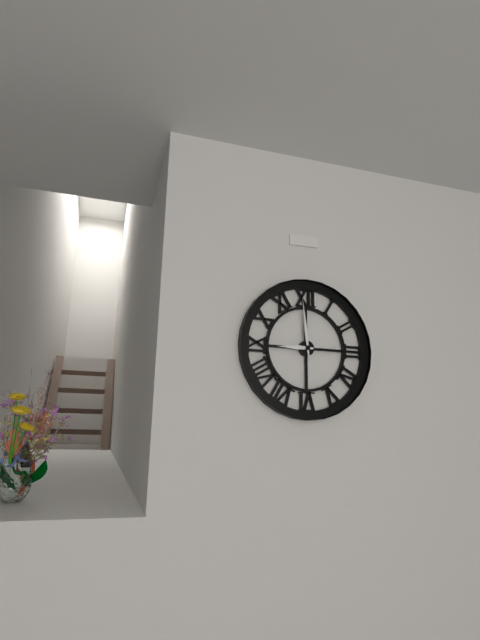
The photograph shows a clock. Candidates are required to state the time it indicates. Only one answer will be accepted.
8:59
